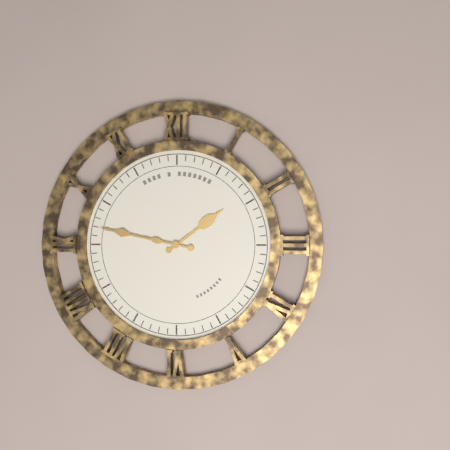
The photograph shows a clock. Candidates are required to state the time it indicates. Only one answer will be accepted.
1:47
